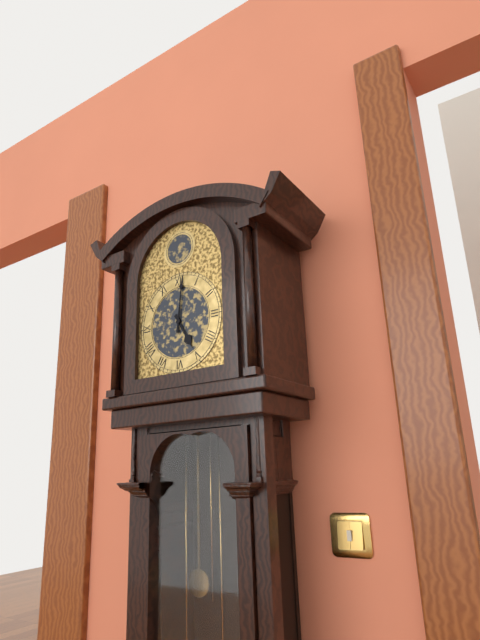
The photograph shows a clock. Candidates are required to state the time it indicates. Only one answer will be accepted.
5:01
